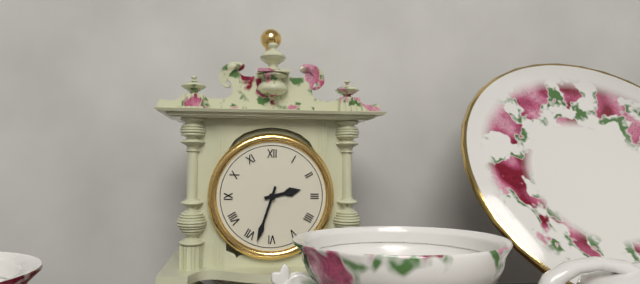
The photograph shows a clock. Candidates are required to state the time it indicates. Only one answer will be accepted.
2:33
